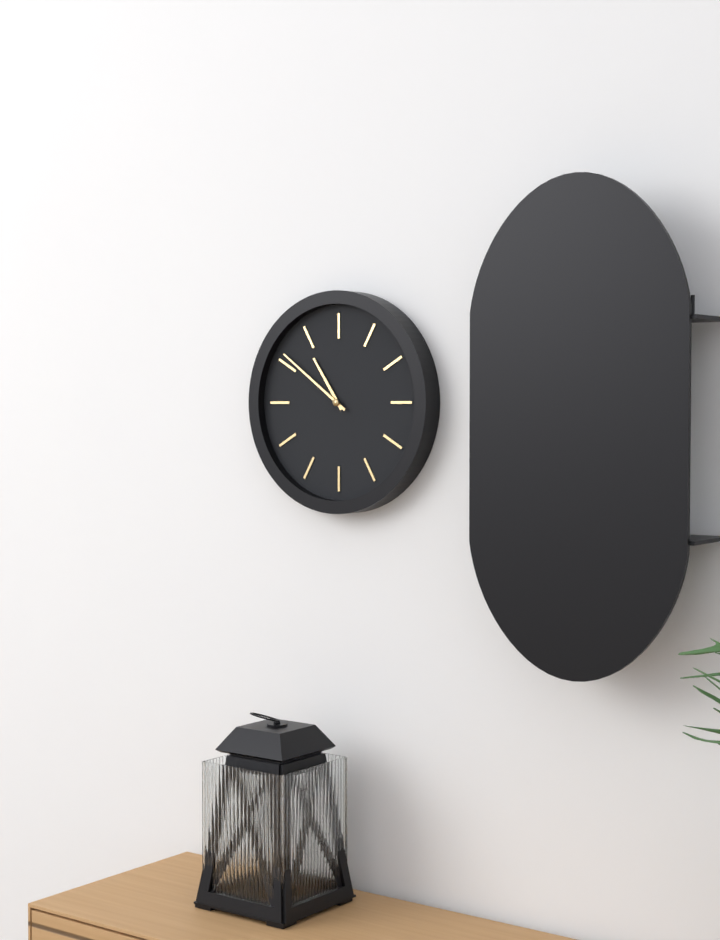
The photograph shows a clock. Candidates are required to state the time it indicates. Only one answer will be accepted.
10:51
